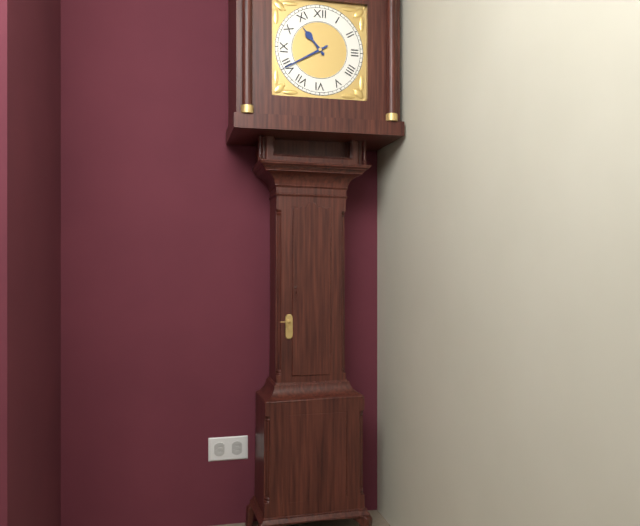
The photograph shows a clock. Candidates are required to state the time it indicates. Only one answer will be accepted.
10:40
